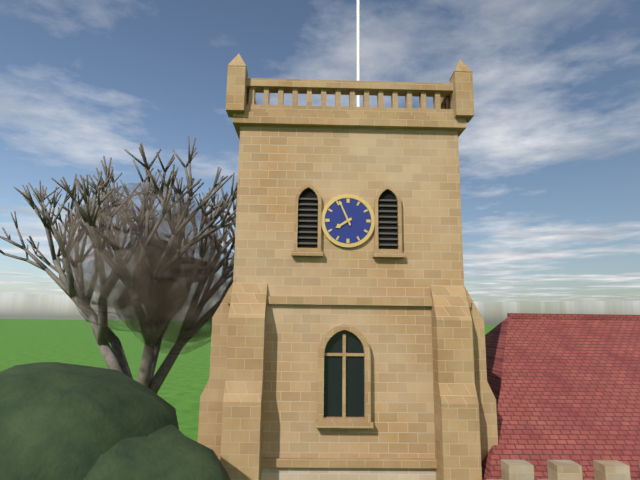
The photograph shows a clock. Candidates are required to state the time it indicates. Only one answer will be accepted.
7:56
